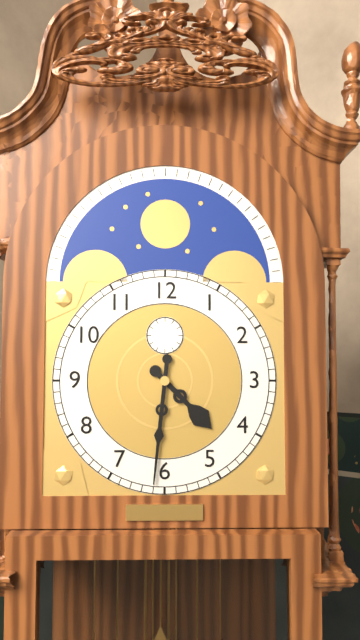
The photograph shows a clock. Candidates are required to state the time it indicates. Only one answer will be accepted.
4:31
